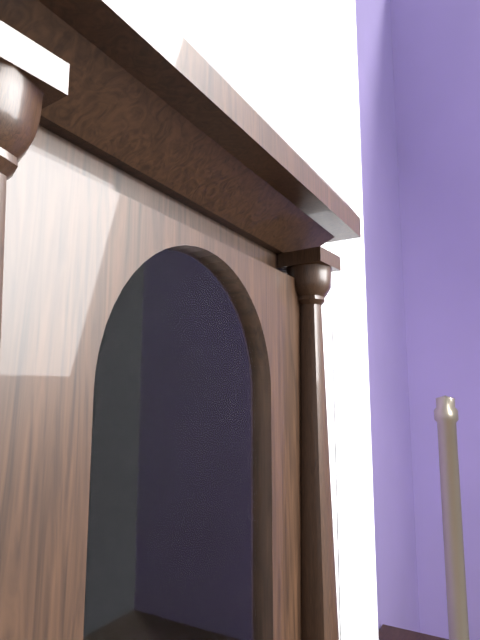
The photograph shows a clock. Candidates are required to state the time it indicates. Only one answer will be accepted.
3:30
